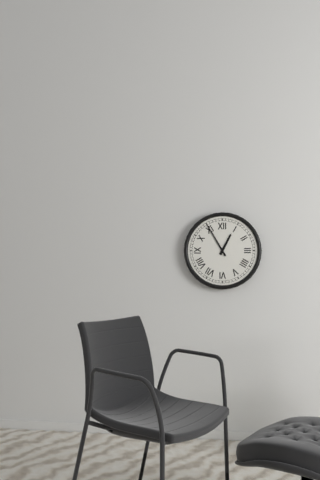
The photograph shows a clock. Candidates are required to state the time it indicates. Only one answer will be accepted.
12:55
